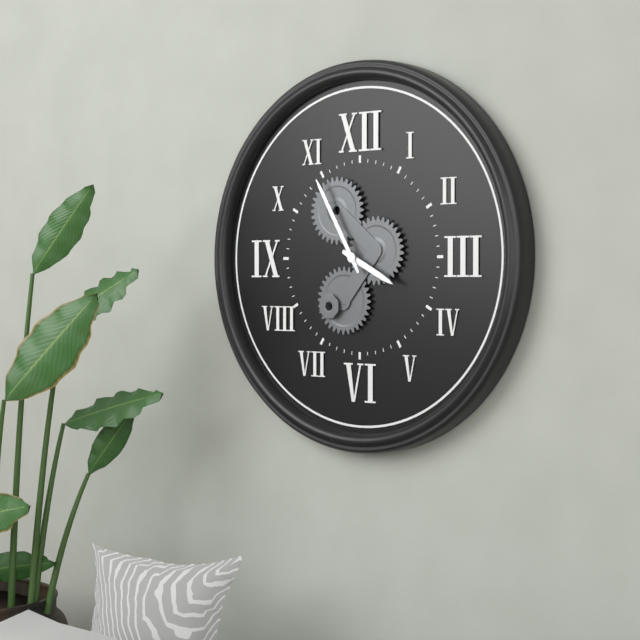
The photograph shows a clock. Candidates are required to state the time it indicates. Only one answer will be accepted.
3:55
